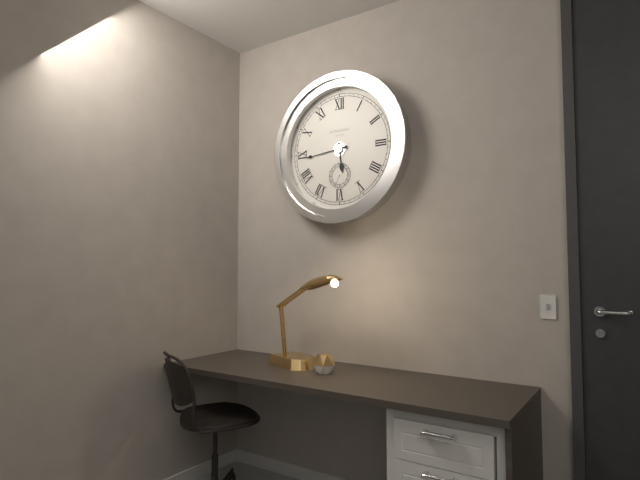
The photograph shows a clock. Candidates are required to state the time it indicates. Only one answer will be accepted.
5:44
